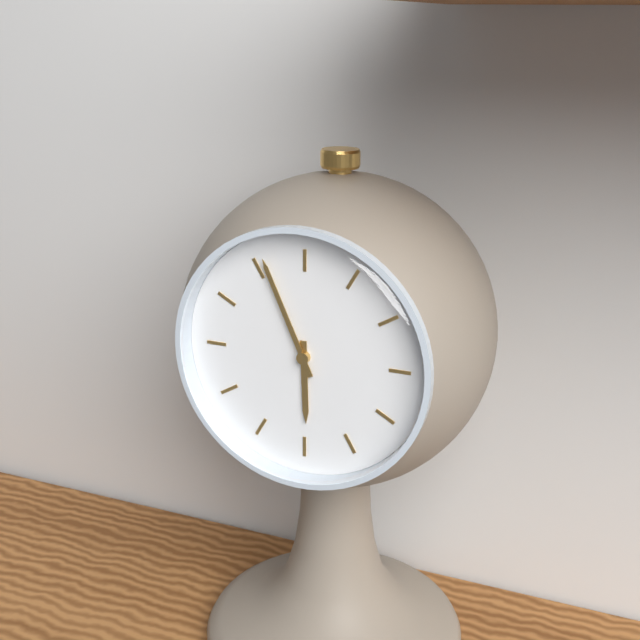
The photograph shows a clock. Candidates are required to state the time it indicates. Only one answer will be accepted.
5:56
